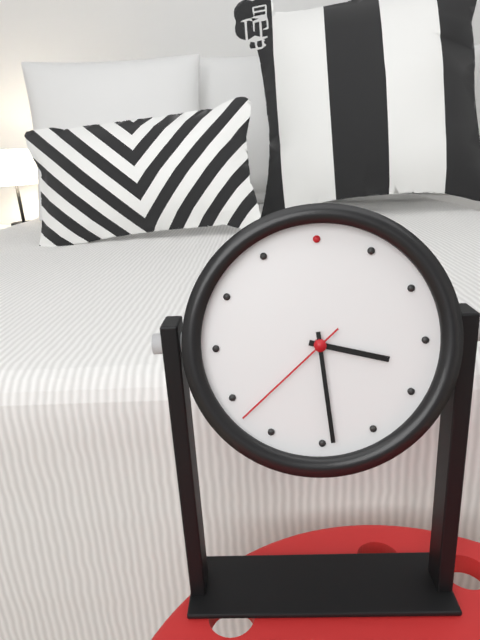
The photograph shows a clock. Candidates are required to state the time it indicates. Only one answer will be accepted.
3:29:38
